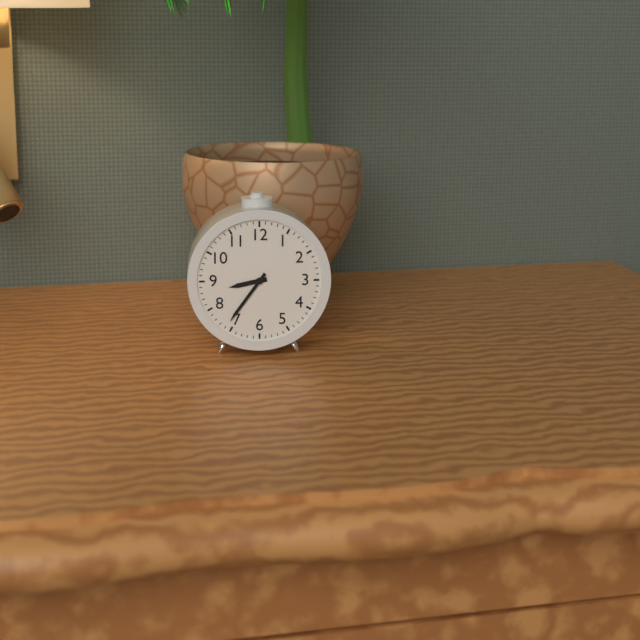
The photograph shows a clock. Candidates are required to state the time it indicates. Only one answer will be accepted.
8:36
